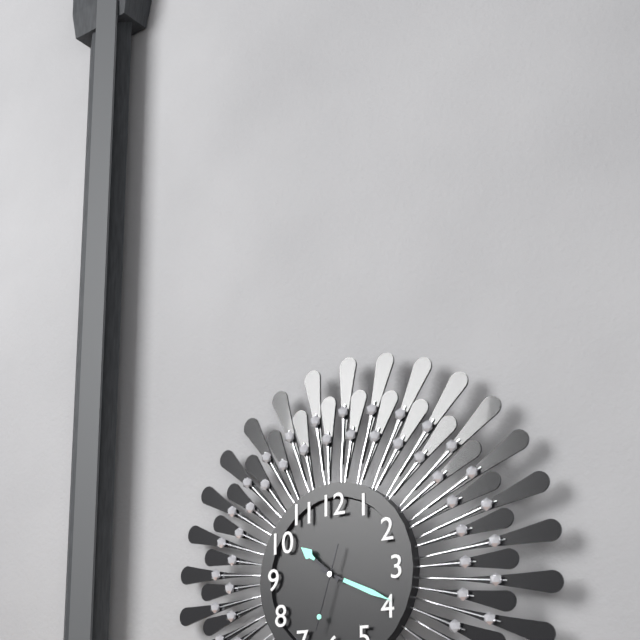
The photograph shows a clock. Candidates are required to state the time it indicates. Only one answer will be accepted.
10:19:33
